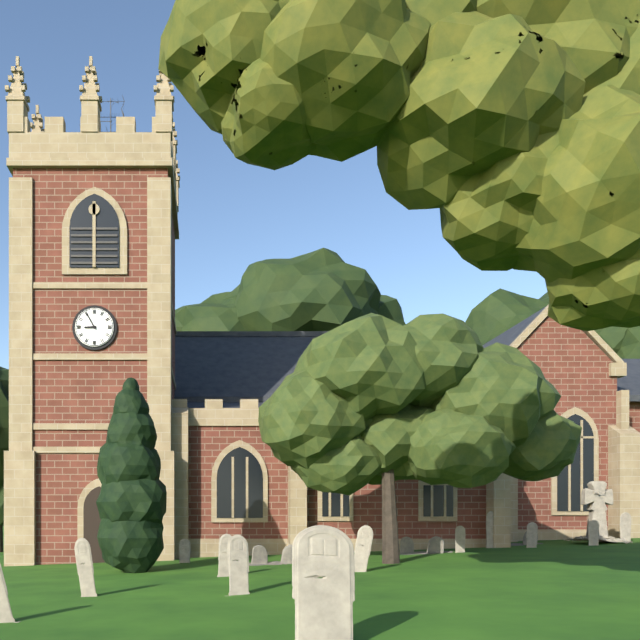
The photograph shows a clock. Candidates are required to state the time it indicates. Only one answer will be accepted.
8:55
